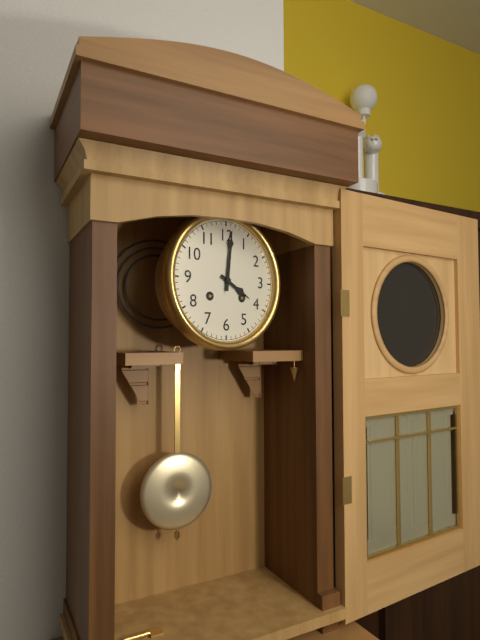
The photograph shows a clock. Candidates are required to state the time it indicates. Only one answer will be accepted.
4:01
